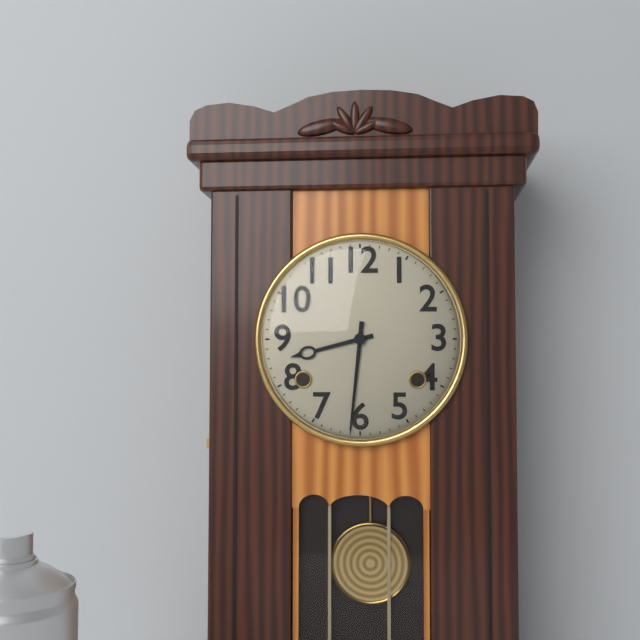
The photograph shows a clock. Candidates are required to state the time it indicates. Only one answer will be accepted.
8:31
